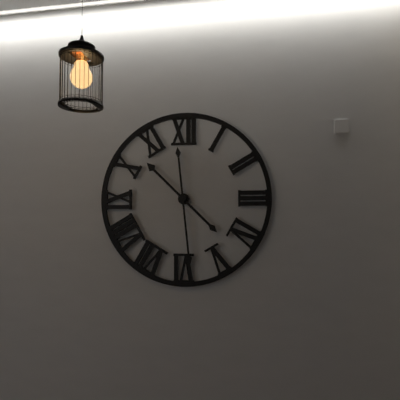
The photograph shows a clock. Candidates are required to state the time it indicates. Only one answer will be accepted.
10:29
